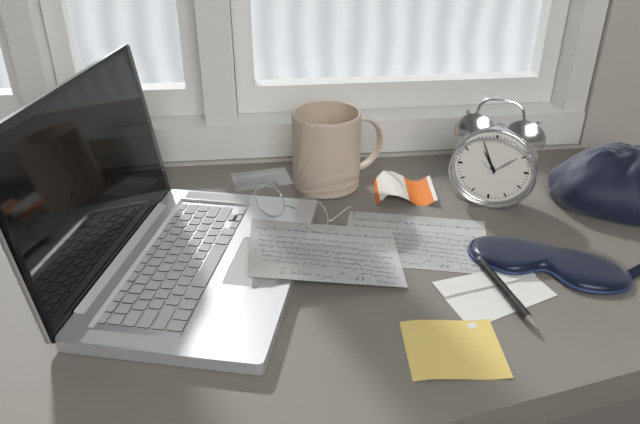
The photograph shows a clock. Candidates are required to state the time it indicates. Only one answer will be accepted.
10:56
